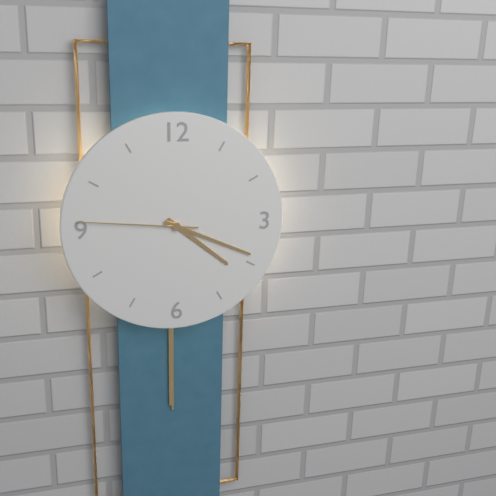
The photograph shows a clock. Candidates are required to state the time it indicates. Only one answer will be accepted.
4:19:46
